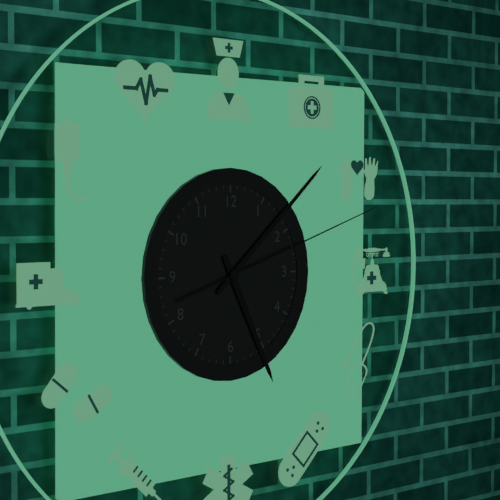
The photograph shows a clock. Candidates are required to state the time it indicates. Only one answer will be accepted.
5:08:12
